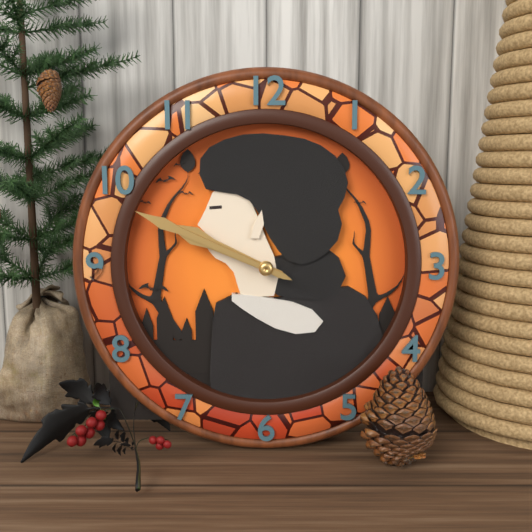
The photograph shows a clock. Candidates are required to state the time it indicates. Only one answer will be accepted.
9:49
